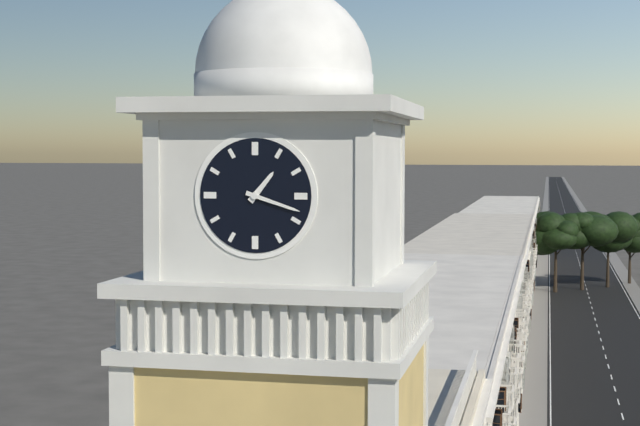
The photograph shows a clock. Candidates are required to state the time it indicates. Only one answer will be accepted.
1:18
